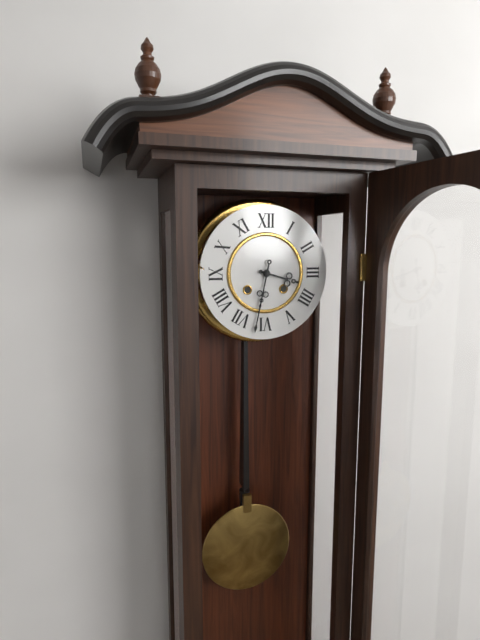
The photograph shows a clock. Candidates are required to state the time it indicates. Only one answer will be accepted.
3:32
